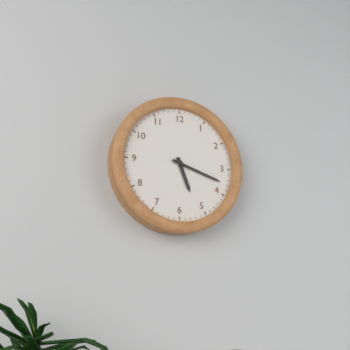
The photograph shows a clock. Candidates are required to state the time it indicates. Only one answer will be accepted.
5:18
